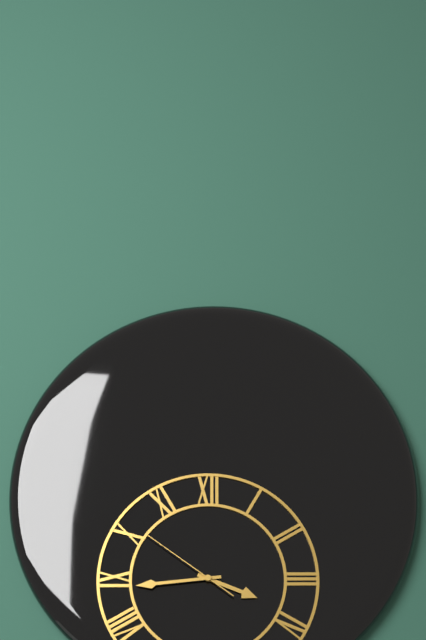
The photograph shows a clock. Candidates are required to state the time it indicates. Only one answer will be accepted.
3:44:51
